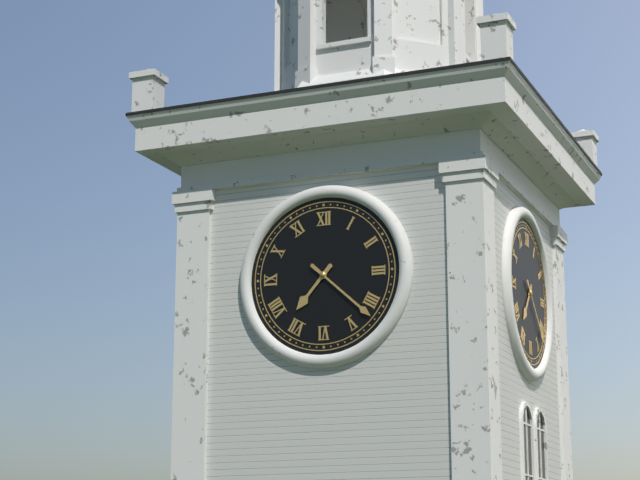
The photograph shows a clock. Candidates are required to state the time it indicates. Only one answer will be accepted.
7:22
